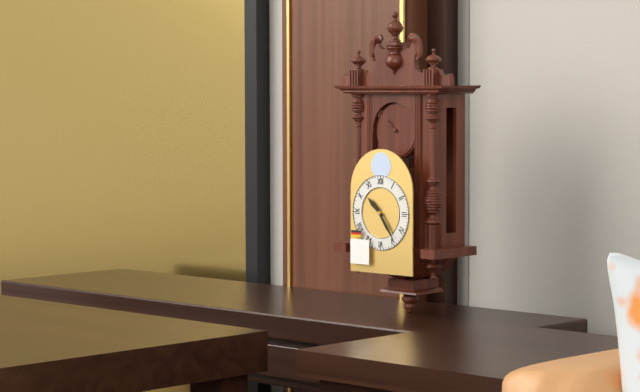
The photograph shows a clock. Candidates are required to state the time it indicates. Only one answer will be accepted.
10:24
